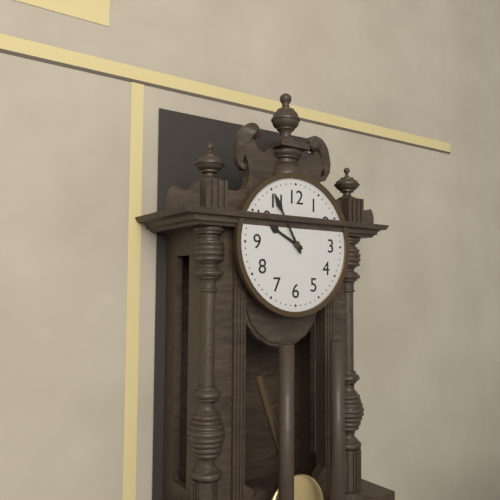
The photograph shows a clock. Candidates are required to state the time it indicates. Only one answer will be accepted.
9:55
